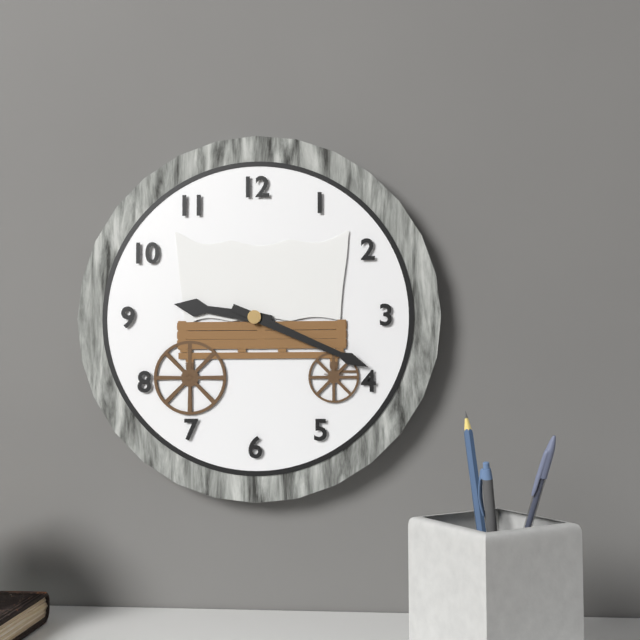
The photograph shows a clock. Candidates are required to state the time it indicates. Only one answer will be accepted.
9:19
